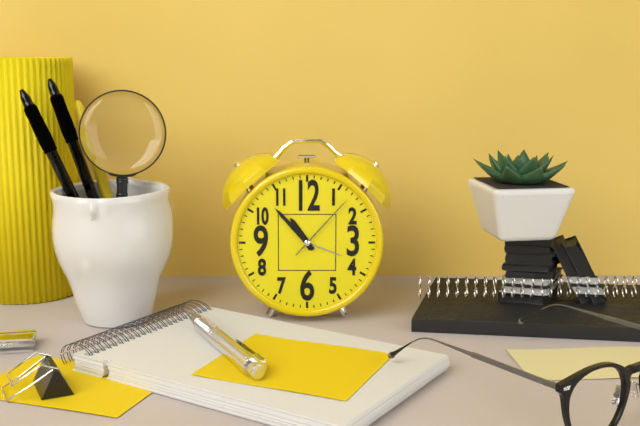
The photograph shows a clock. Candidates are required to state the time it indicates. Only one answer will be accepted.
10:53:07
